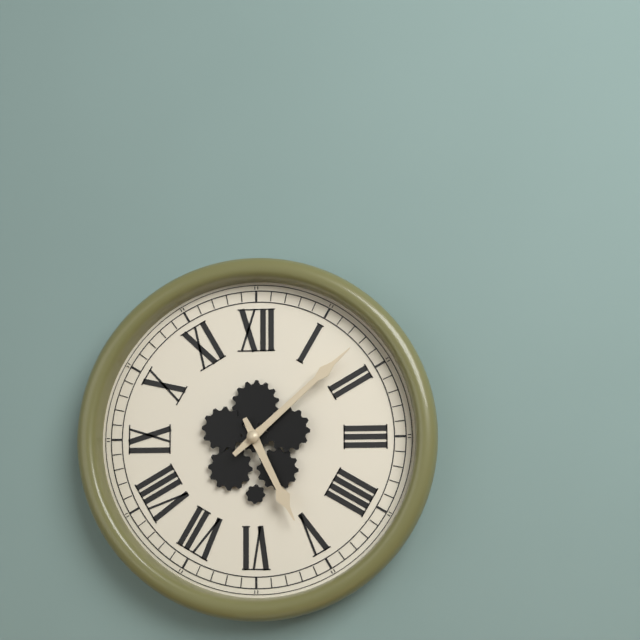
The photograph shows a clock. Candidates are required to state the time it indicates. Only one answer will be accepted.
5:08
